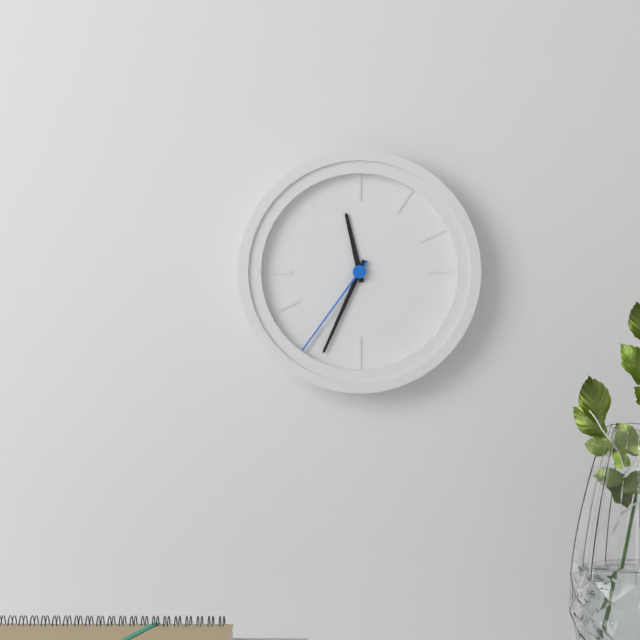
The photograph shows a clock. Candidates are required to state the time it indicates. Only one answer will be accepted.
11:34:36
